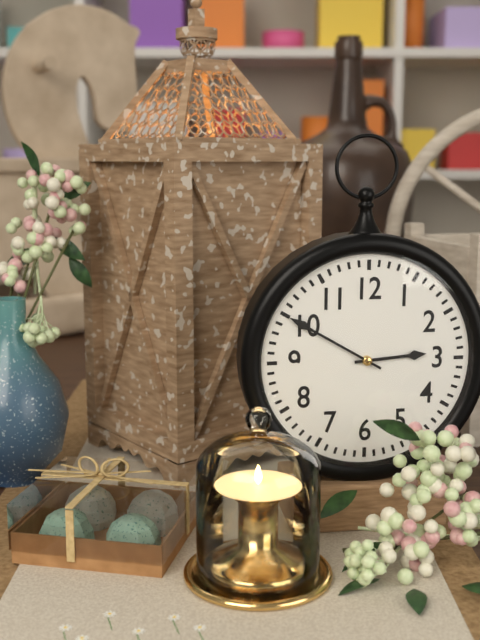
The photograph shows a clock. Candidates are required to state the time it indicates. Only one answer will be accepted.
2:50
